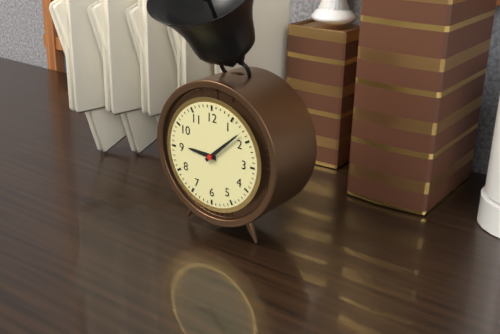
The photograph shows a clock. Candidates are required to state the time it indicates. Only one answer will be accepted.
9:08
